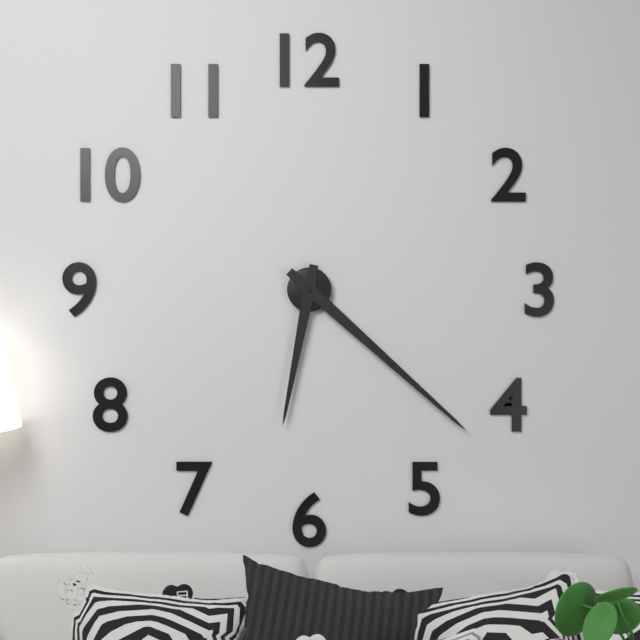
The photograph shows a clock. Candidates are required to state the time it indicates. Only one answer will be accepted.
6:22
